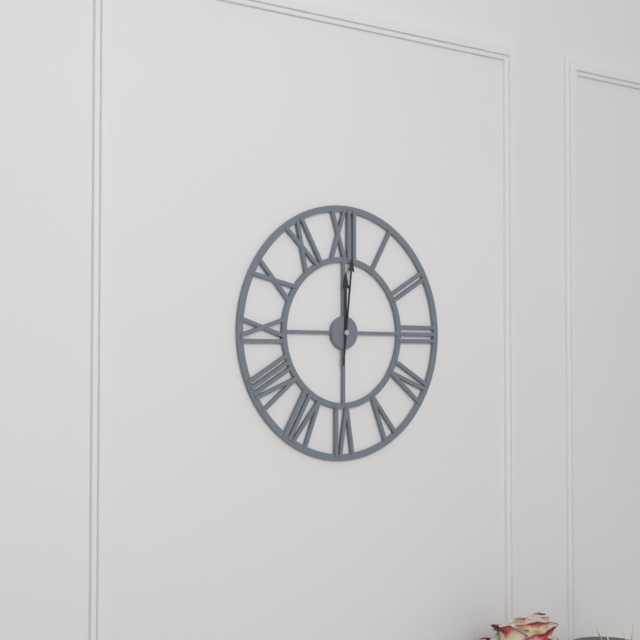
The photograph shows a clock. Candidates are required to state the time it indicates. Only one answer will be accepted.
12:01
